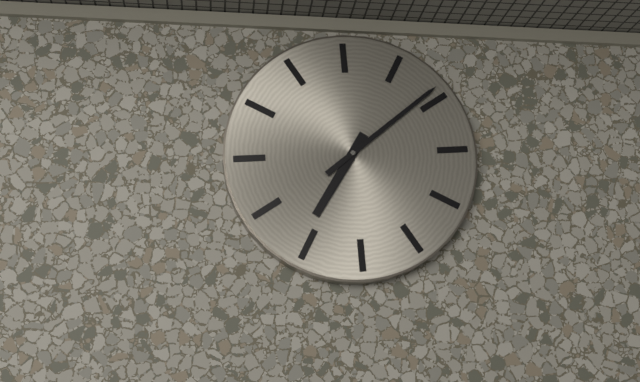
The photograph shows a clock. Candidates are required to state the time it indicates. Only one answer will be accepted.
7:09
